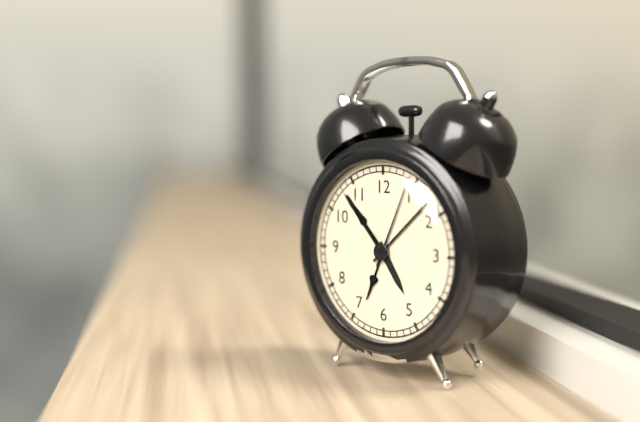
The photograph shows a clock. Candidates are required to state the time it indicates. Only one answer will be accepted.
4:53:04
